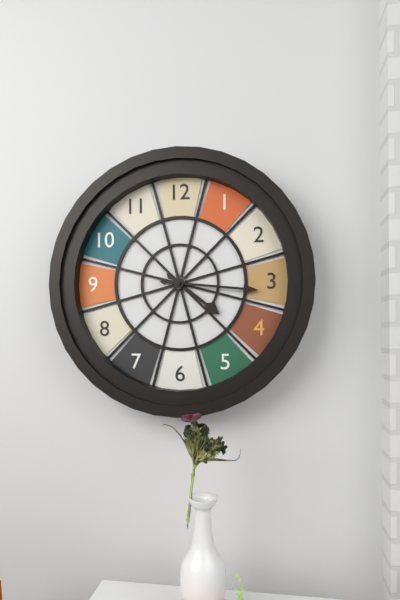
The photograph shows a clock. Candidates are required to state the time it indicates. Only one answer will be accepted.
4:16
